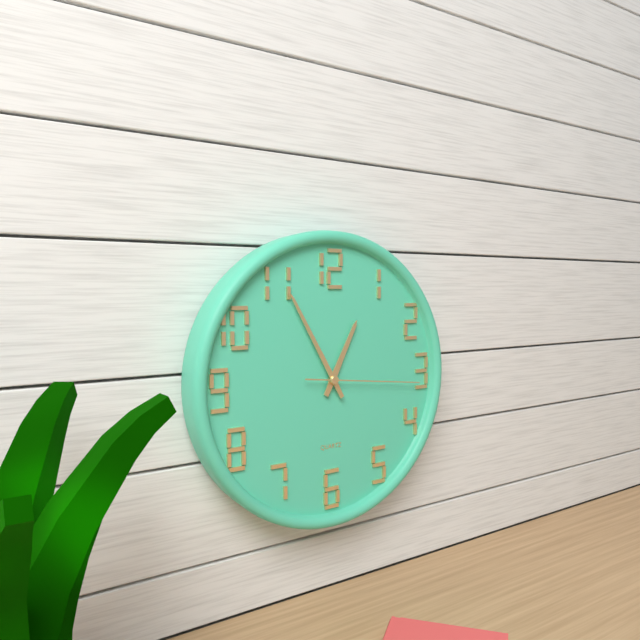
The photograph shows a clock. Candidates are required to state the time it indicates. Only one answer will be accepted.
12:55:16
